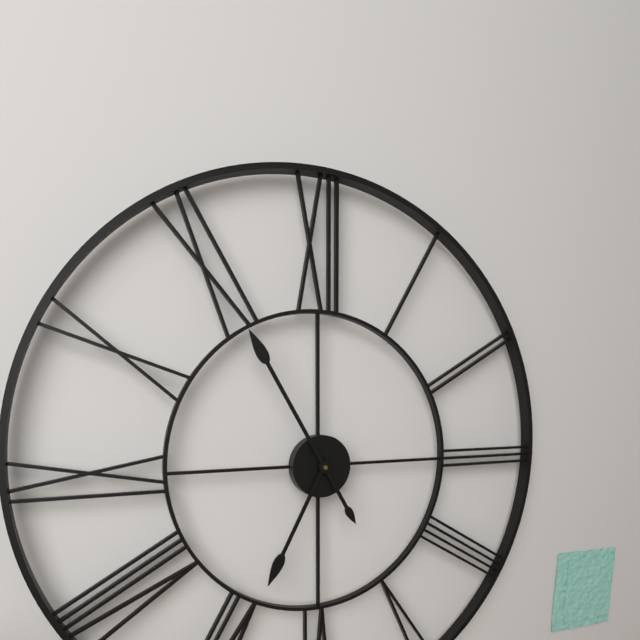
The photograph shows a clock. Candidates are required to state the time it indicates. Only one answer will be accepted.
6:55
